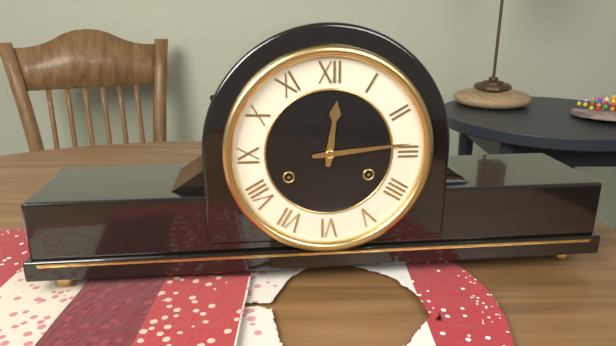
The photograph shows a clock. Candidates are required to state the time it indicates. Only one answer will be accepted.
12:14
